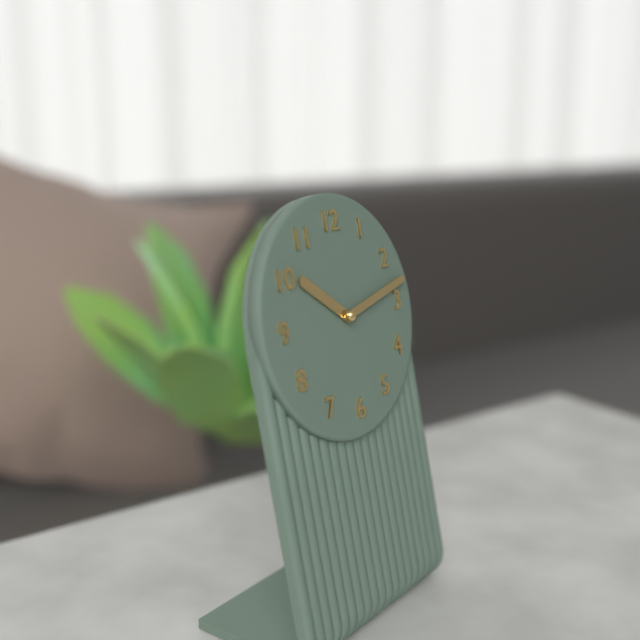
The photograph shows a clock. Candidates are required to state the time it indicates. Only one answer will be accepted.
10:13
